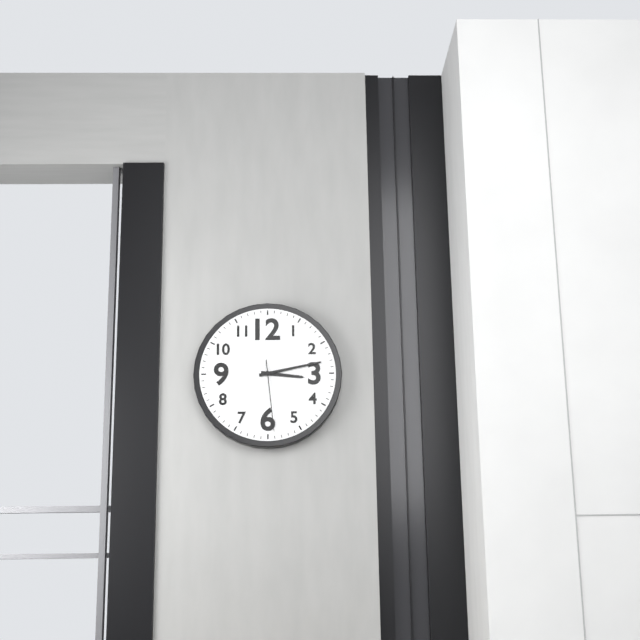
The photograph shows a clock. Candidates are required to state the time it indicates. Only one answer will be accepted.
3:13:29
